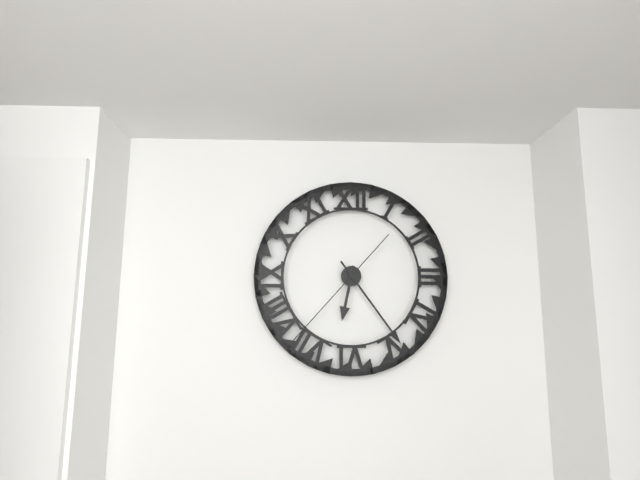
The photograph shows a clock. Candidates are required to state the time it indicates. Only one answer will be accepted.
6:24:37
